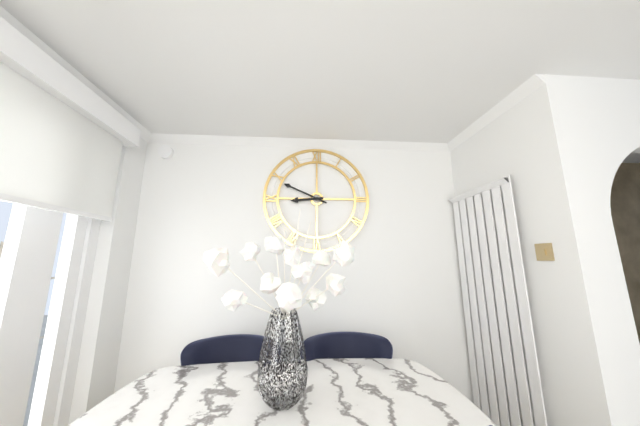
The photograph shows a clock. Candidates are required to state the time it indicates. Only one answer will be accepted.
8:49
